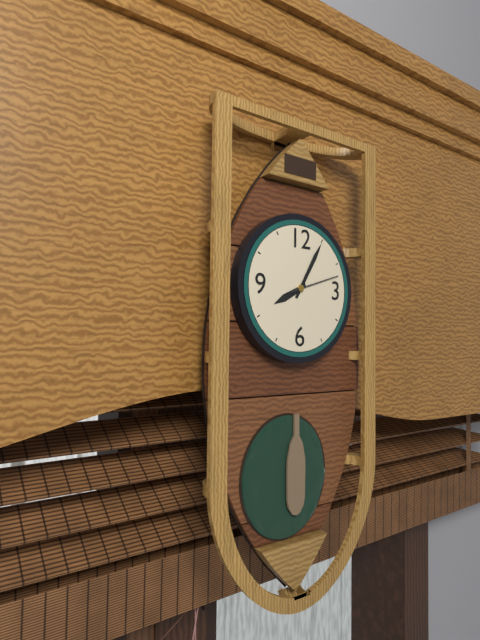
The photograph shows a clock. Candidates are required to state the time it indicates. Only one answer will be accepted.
8:05
